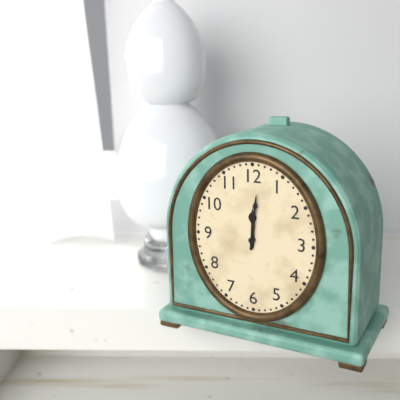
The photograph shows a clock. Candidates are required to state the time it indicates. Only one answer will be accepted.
12:01
